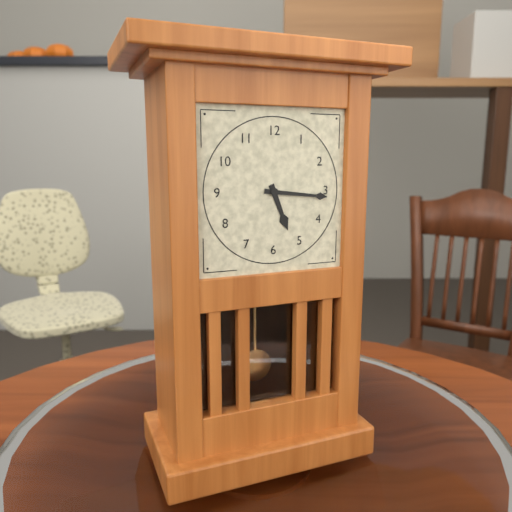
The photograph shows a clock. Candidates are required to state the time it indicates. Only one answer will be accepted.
5:16
